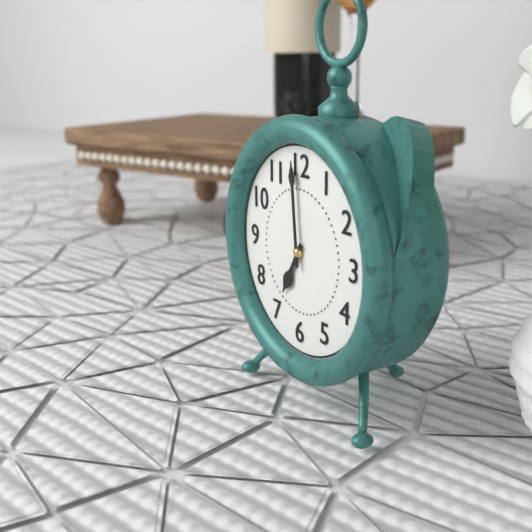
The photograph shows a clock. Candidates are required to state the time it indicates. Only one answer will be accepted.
6:59
